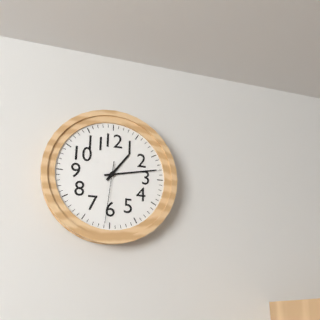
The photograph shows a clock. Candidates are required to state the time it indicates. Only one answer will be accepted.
1:13:31
